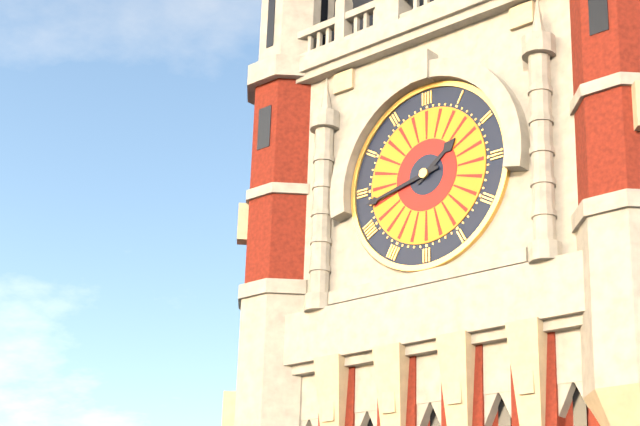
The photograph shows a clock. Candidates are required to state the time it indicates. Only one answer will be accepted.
1:43
